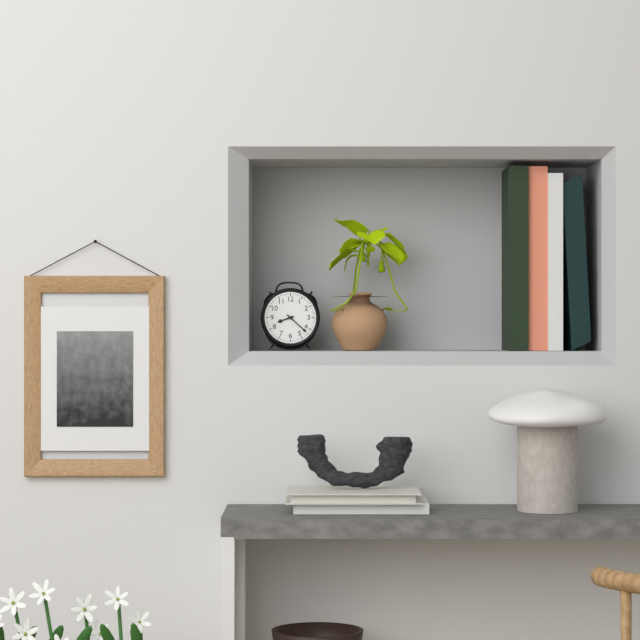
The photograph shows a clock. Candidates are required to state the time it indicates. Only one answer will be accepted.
8:22
